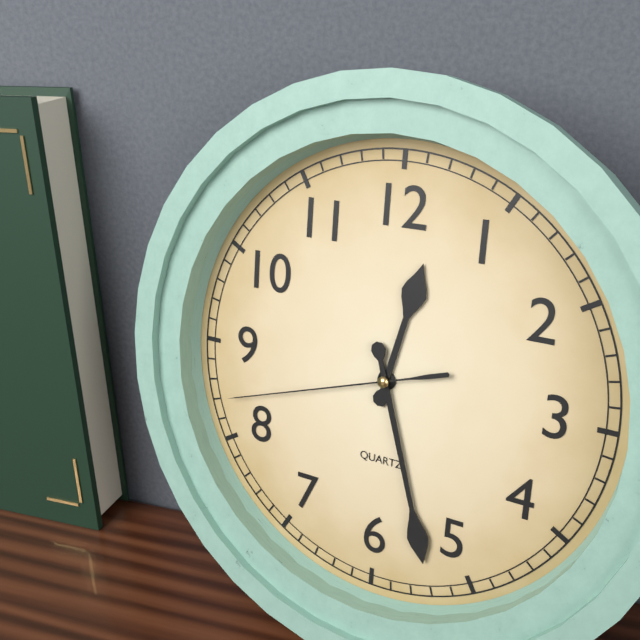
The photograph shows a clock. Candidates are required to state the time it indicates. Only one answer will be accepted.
12:27:42
